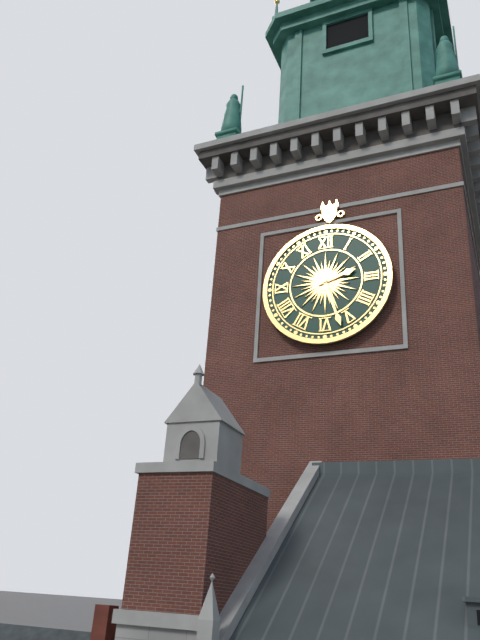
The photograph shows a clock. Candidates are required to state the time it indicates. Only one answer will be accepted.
2:27
